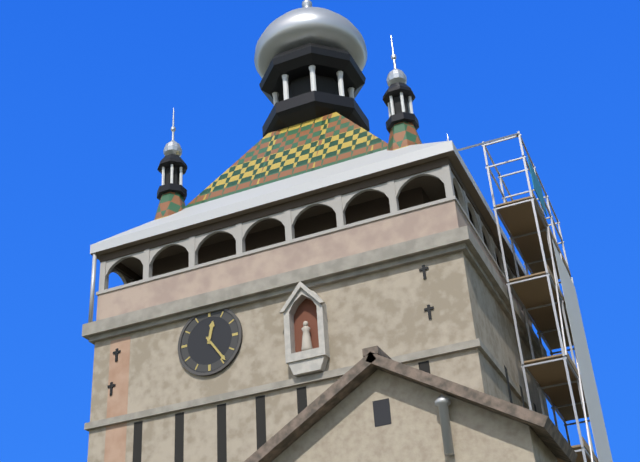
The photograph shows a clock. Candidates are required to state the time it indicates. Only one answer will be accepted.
12:24
